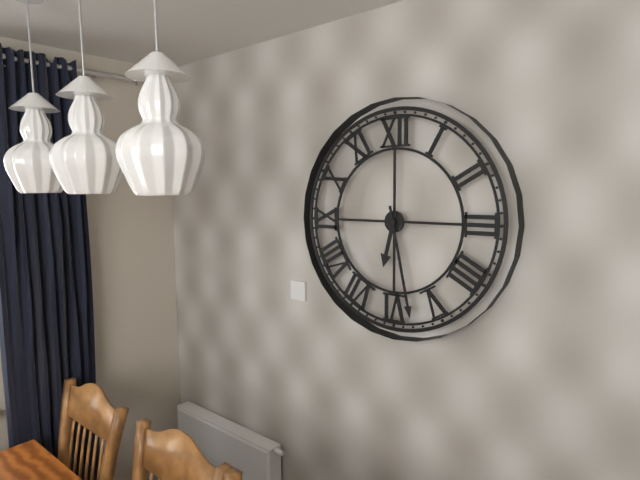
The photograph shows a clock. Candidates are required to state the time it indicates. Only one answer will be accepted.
6:28
